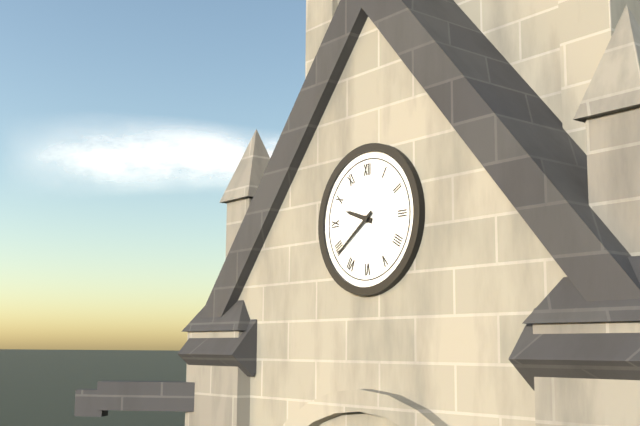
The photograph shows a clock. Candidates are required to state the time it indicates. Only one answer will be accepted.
9:39
